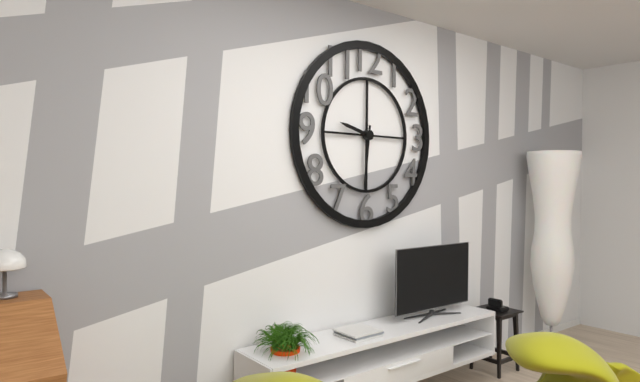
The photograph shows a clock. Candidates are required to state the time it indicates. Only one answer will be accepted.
9:31
